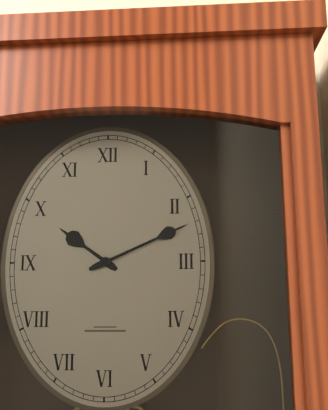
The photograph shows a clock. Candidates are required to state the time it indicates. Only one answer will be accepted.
10:11
